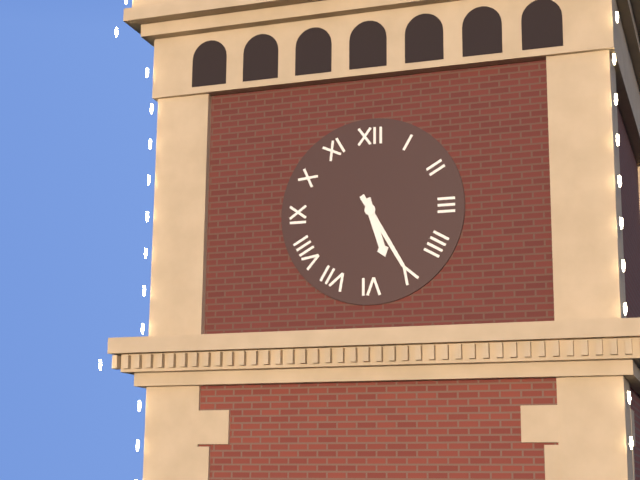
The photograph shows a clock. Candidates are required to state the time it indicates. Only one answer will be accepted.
5:25
